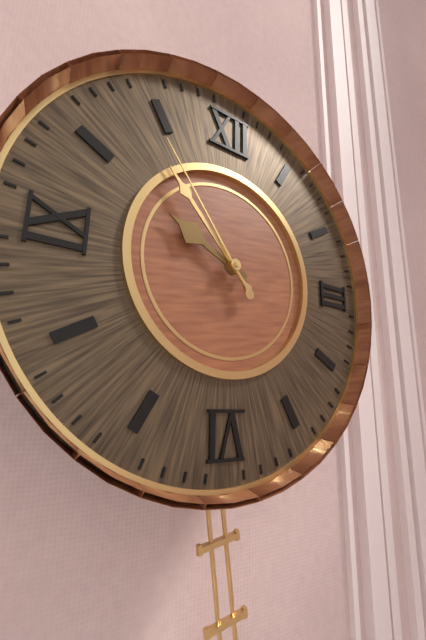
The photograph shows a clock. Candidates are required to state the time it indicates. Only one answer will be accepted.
9:53:54
